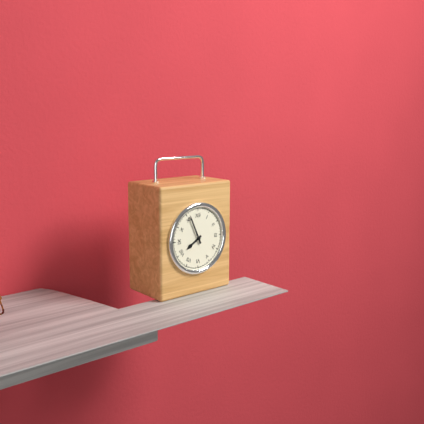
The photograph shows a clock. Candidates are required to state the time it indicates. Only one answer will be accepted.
7:56
